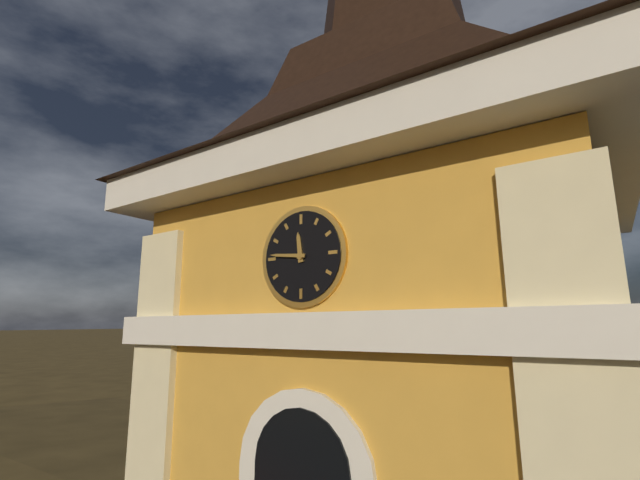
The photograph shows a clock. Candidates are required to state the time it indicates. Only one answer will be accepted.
11:46
